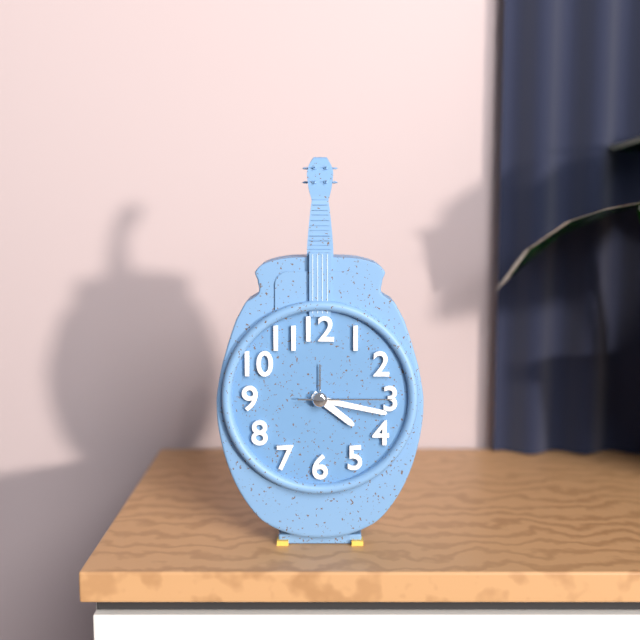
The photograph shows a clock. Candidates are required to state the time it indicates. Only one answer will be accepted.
4:17:15
